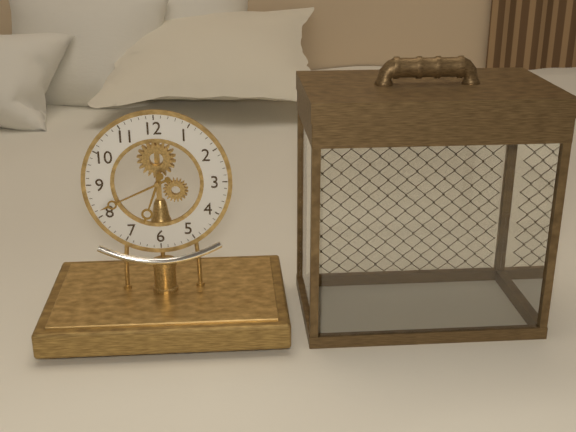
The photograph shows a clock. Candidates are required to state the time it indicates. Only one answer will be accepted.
6:41
